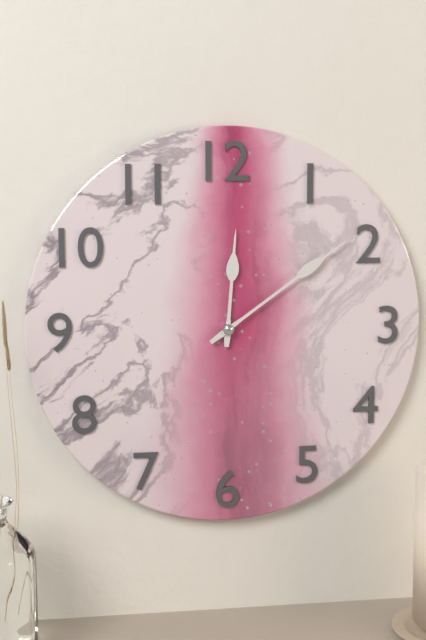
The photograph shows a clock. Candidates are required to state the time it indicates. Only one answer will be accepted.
12:09
